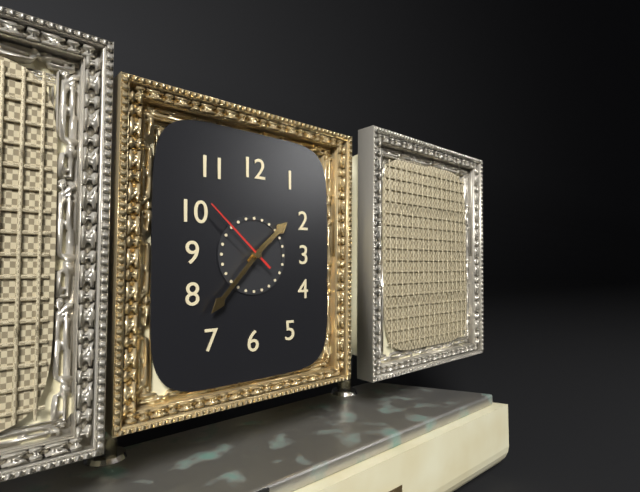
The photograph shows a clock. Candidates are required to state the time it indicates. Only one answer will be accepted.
1:37:52
